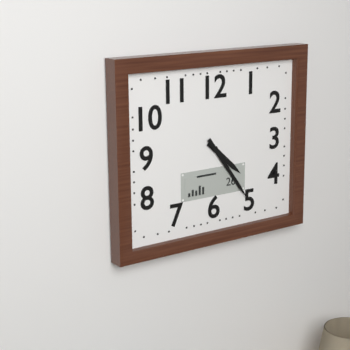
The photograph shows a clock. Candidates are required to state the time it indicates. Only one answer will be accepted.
4:24
